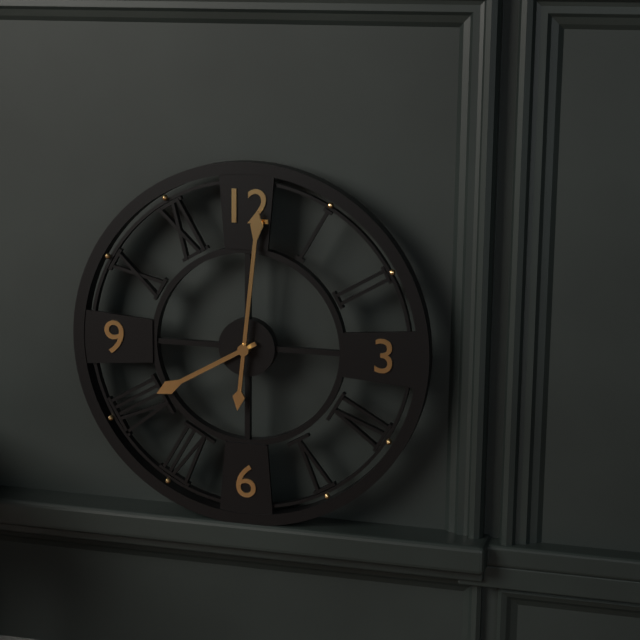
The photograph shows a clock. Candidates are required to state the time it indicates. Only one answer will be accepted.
8:01
